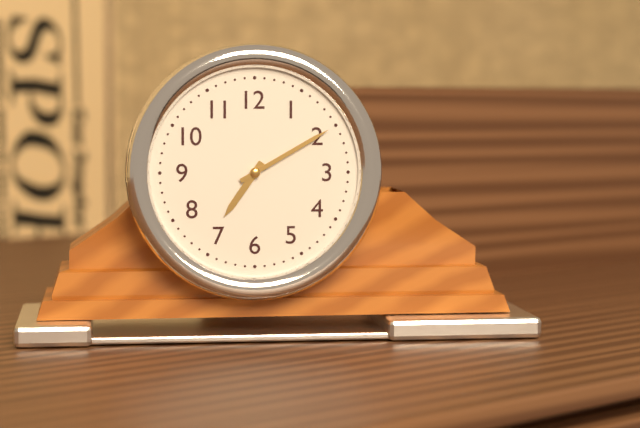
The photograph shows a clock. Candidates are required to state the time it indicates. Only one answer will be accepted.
7:10
